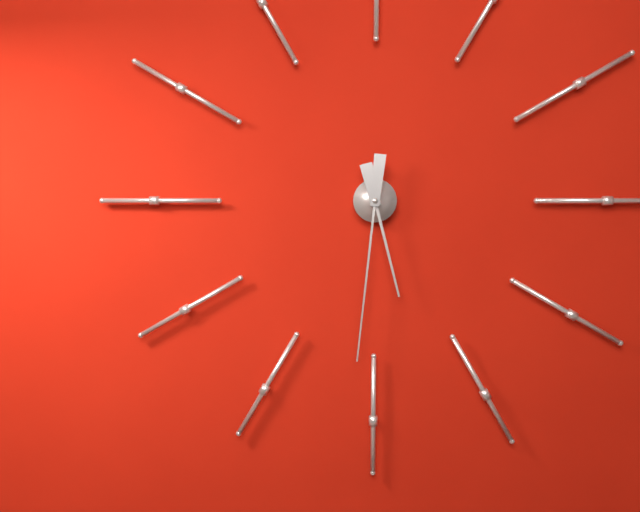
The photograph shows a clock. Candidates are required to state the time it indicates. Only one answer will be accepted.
5:31
